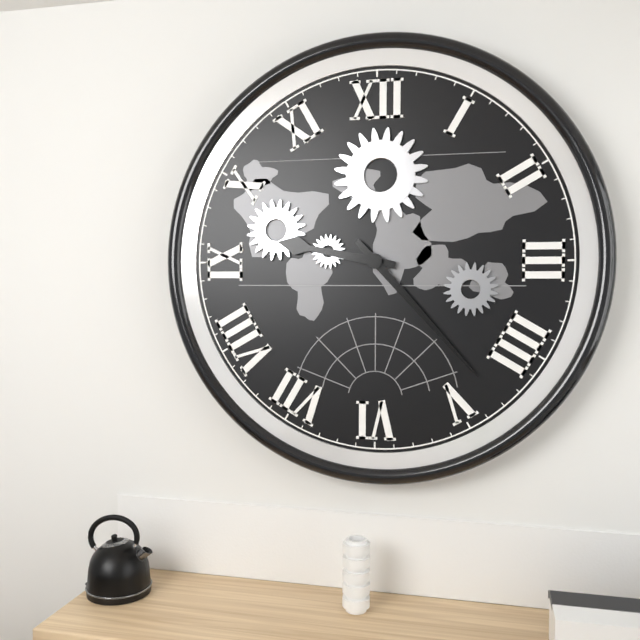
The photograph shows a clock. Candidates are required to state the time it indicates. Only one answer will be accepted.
9:23
